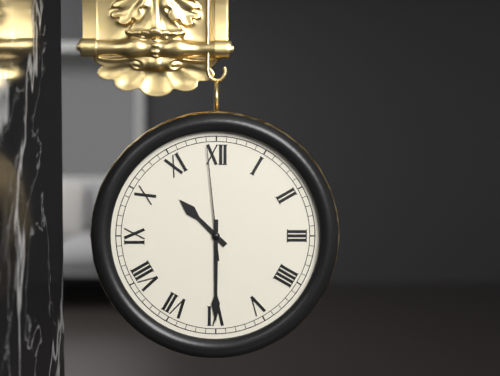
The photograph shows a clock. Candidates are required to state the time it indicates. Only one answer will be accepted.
10:30:59
